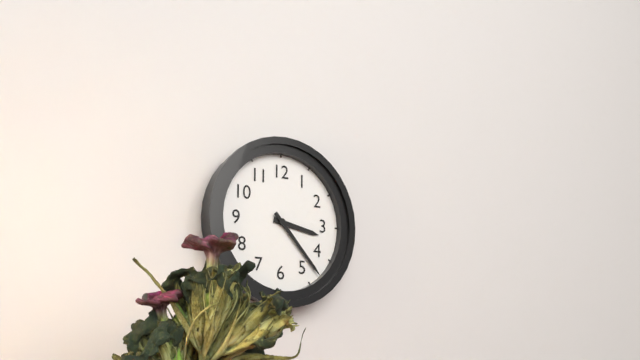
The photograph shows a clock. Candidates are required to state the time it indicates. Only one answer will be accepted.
3:23
